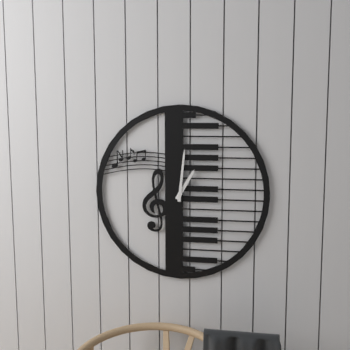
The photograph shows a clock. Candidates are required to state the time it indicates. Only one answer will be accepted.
1:01
